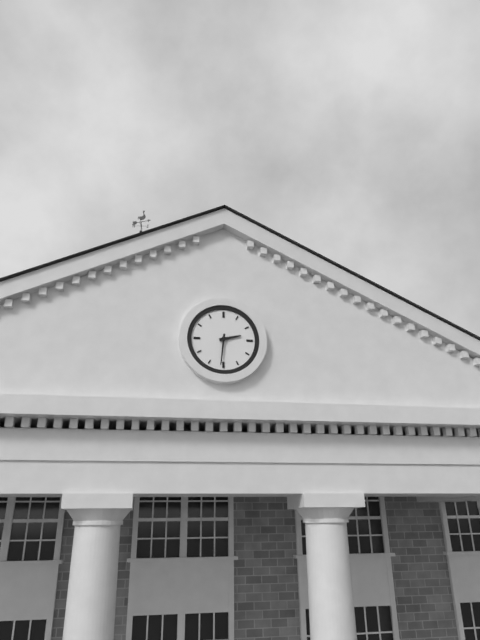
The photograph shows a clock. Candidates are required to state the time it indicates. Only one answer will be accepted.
2:31
